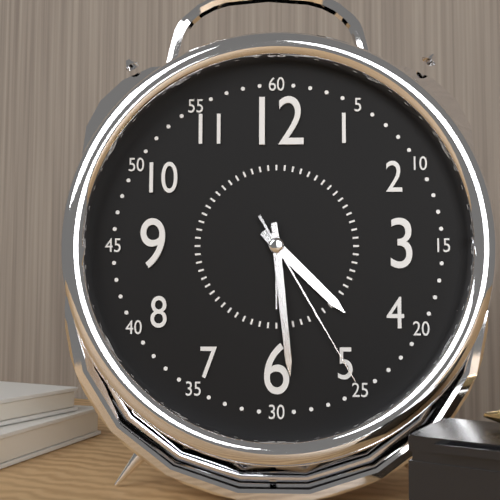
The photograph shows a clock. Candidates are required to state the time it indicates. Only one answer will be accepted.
4:29:25
